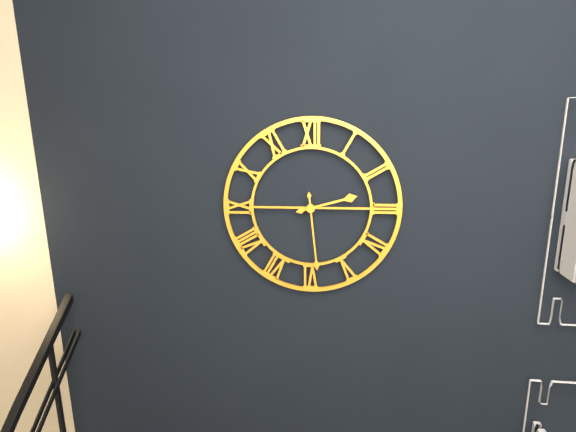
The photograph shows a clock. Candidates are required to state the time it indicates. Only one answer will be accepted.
2:29
